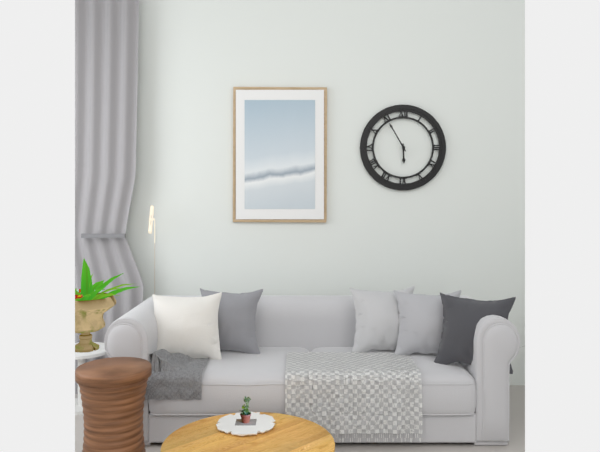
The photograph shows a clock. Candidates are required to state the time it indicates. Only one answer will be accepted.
5:55
